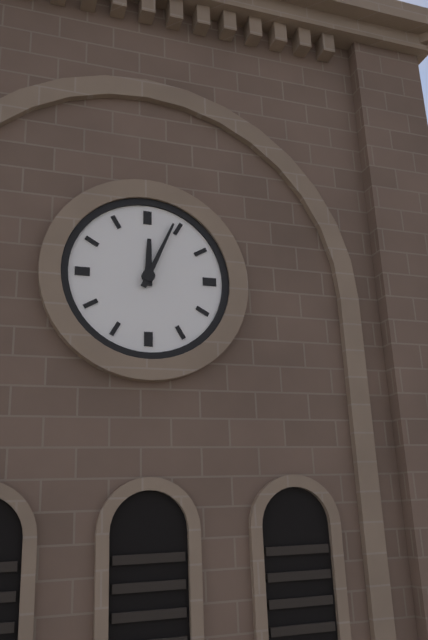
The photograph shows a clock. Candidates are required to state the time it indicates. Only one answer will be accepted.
12:04
